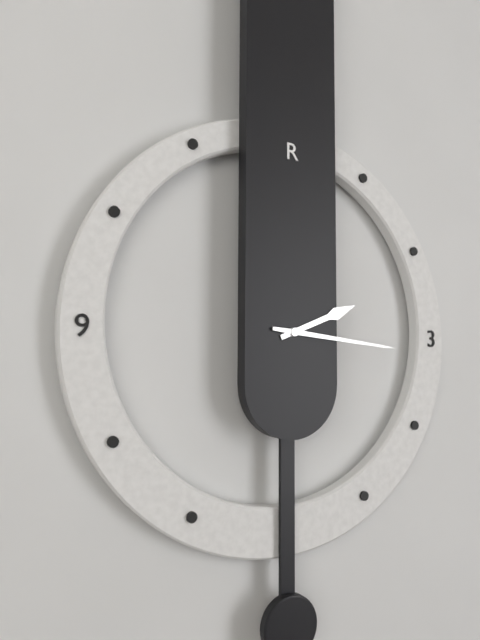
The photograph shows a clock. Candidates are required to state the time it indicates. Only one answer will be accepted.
2:16
